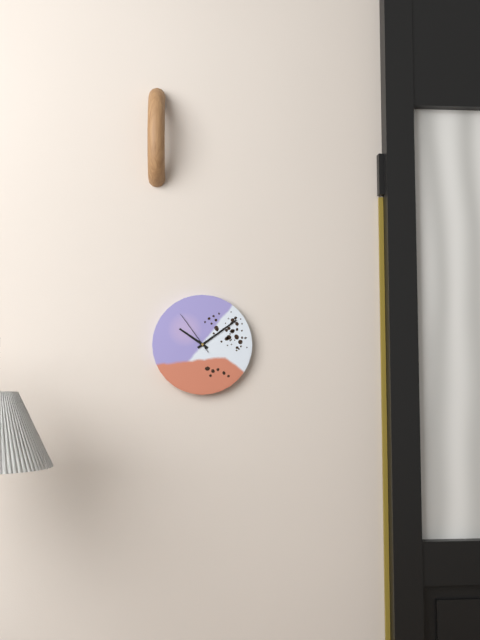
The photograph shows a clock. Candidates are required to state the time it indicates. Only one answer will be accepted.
10:09
